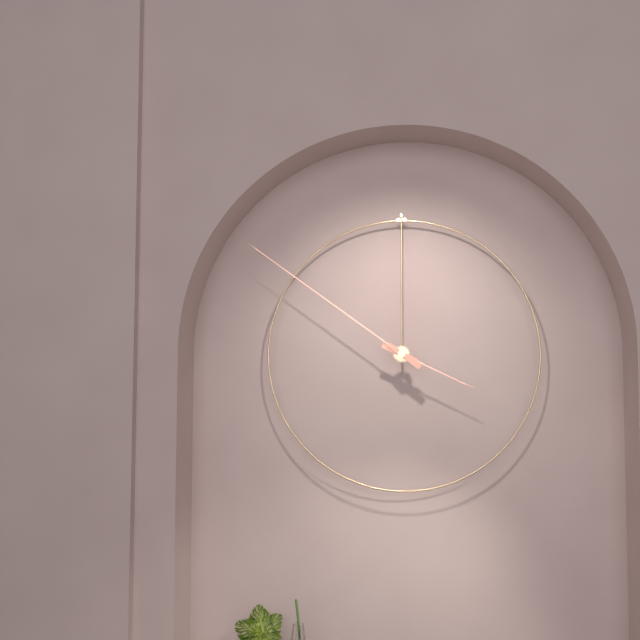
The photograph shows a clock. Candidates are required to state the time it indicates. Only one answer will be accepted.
3:51
